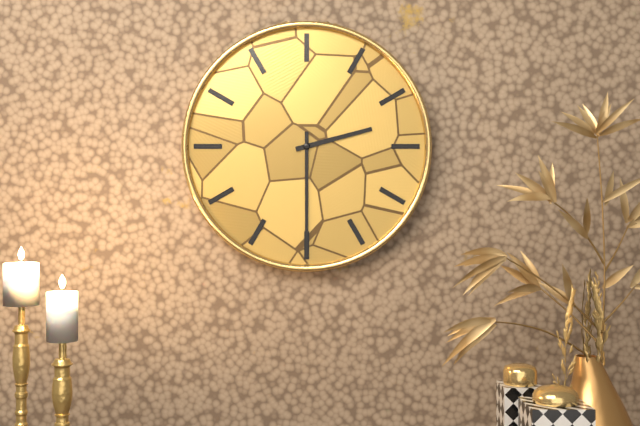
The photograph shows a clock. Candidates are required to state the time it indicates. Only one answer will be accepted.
2:30
